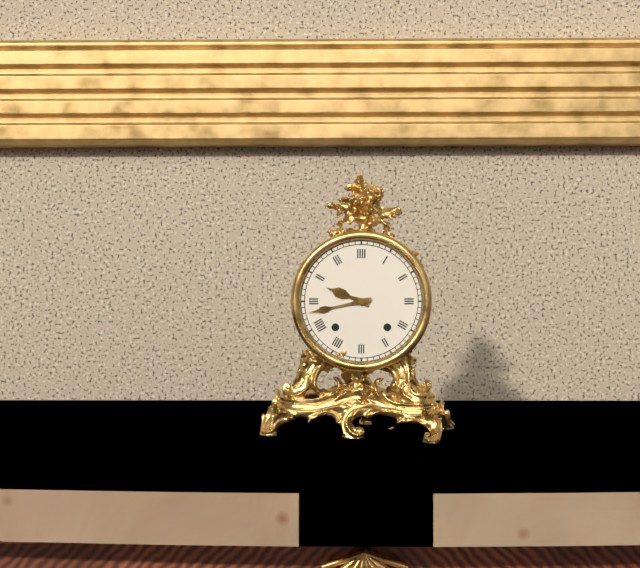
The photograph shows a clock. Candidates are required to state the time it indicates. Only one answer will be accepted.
9:43
